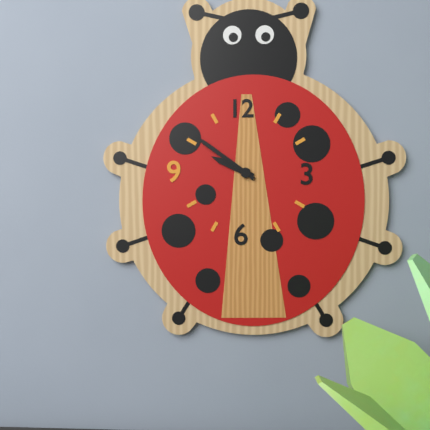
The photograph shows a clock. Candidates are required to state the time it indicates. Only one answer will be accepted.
9:51
